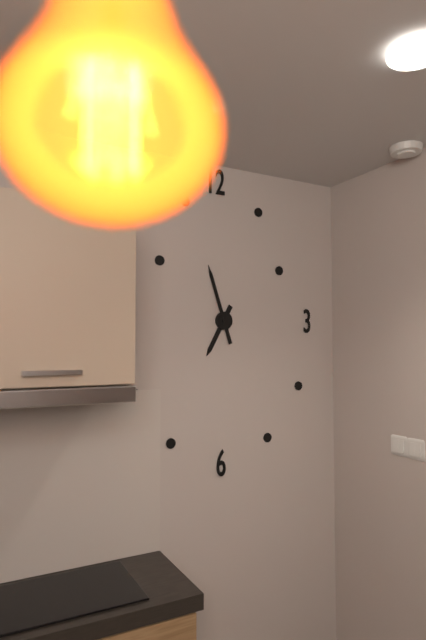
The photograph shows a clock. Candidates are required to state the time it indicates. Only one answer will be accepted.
6:57
